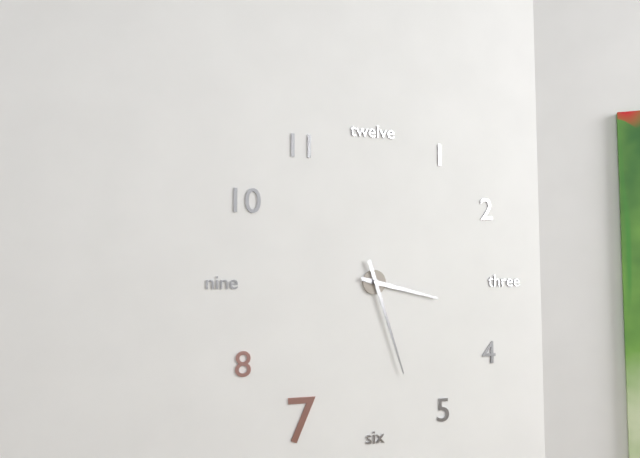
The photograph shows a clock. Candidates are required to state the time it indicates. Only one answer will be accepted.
3:27
